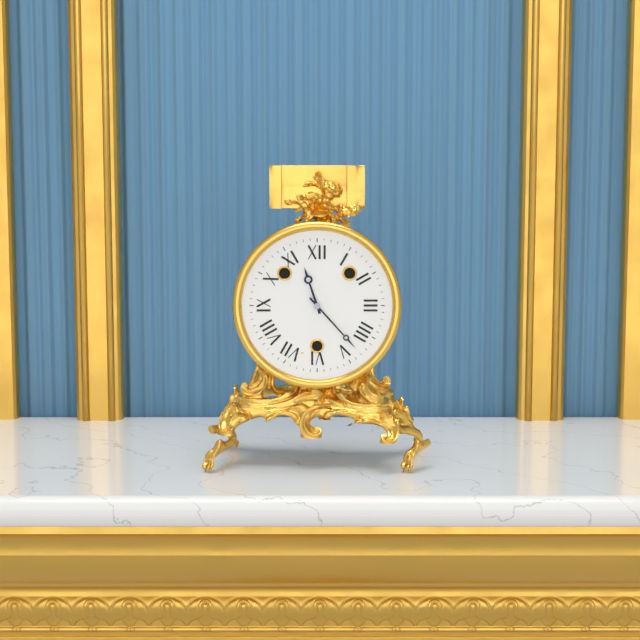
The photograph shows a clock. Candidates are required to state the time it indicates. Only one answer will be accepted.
11:23
